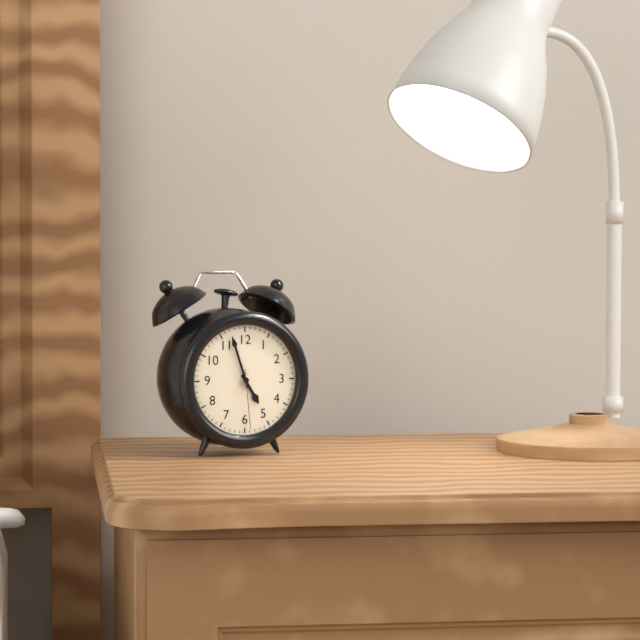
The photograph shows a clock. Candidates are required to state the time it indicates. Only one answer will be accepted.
4:57:29
